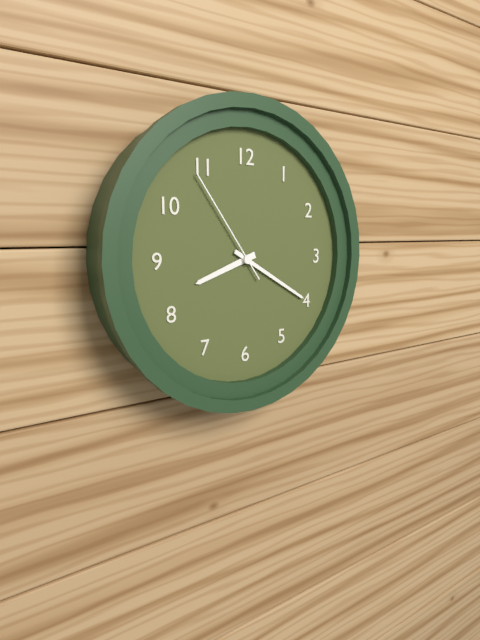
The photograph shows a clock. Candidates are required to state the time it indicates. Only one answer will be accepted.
8:20:54
